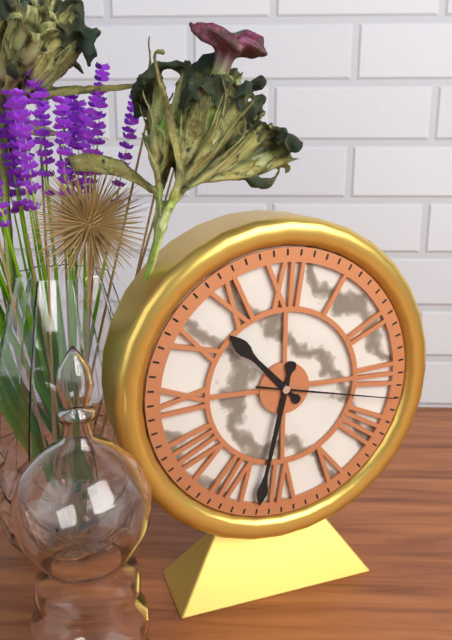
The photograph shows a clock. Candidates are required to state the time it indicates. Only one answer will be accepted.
10:32:17
